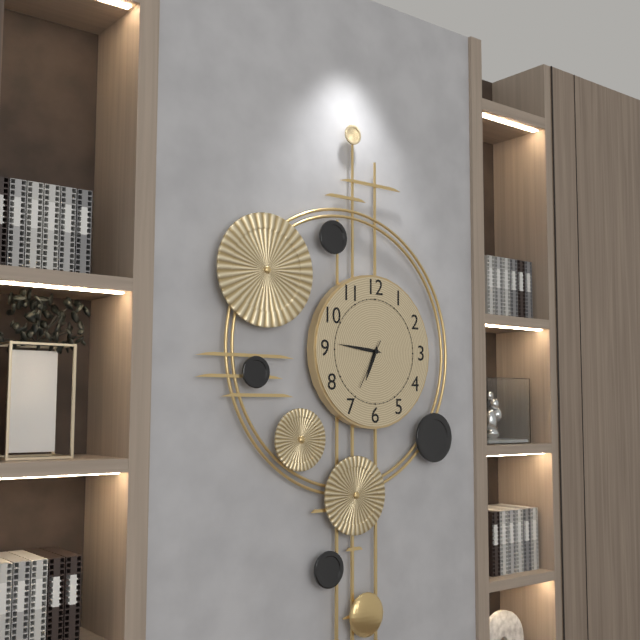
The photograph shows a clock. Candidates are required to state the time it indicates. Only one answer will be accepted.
6:46
